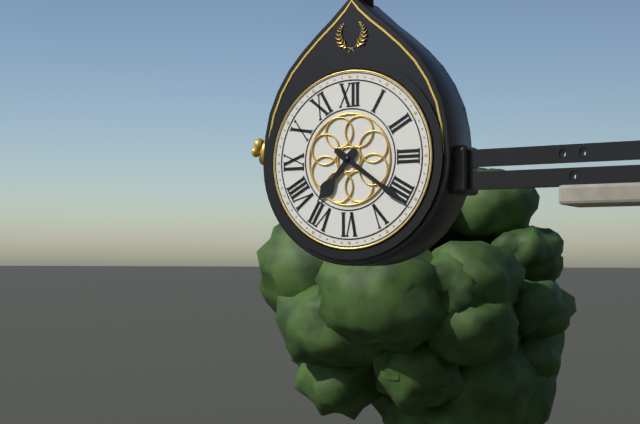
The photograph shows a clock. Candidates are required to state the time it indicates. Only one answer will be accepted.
7:21
